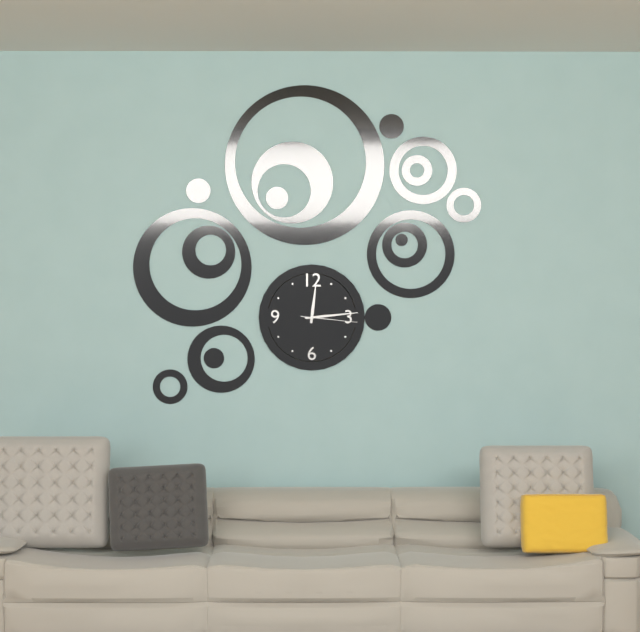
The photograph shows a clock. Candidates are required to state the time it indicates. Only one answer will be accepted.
12:14:16
